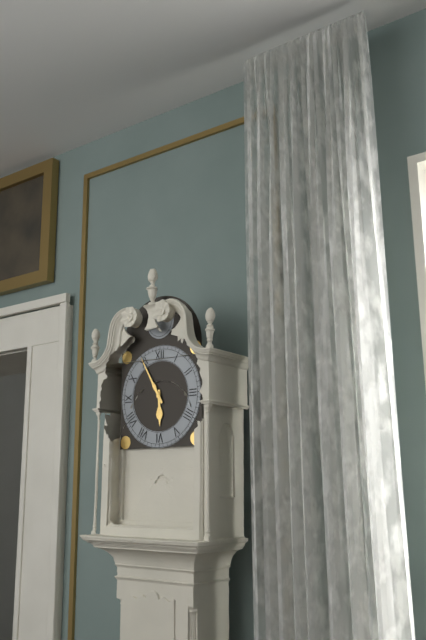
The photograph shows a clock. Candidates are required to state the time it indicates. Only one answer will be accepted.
5:55
